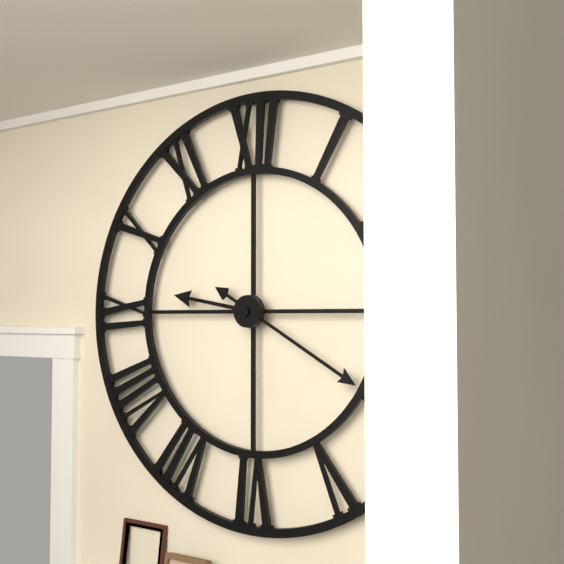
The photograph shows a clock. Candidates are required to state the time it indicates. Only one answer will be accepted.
9:20
